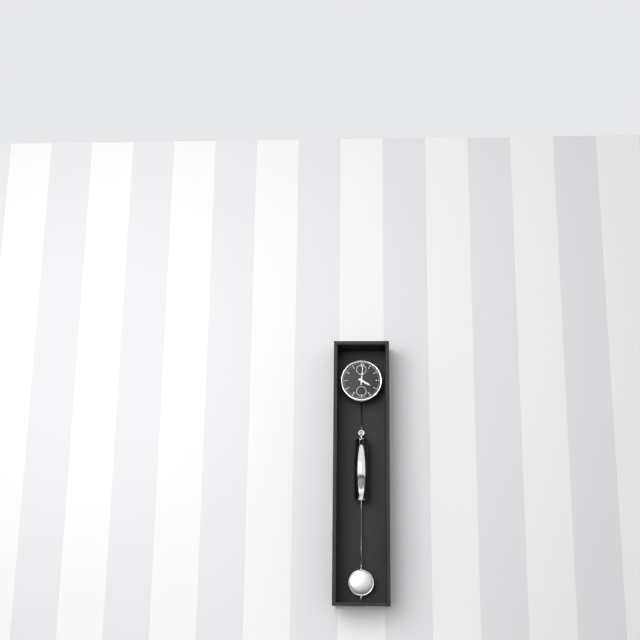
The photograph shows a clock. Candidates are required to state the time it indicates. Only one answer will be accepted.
4:01
